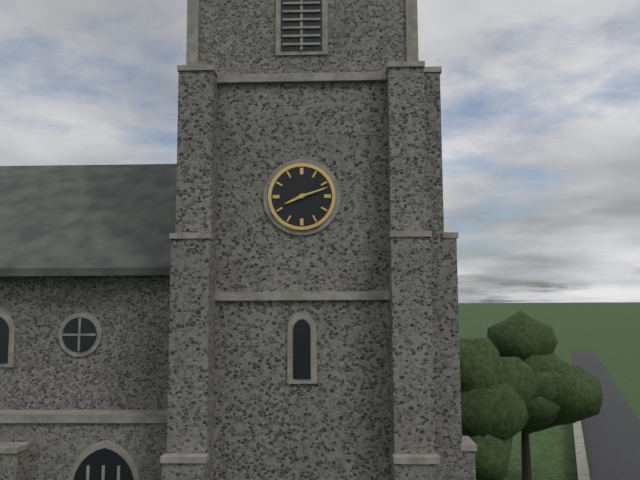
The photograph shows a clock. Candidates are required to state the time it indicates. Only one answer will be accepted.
8:12
